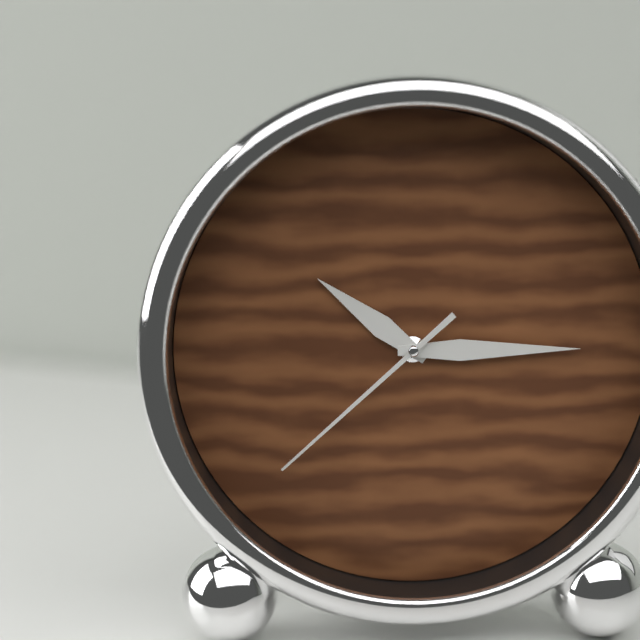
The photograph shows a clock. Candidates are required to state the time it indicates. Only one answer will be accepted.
10:15:38
